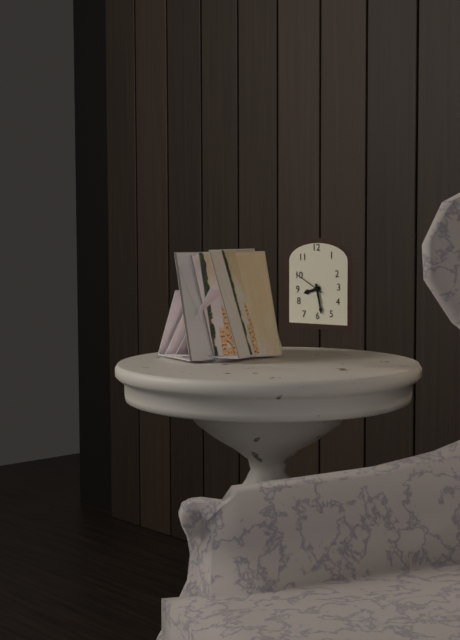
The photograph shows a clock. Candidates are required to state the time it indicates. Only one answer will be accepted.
8:28
